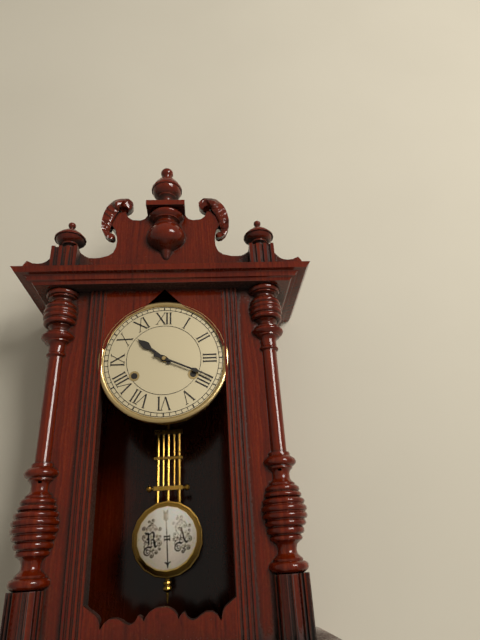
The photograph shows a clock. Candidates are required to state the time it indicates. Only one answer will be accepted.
10:19
